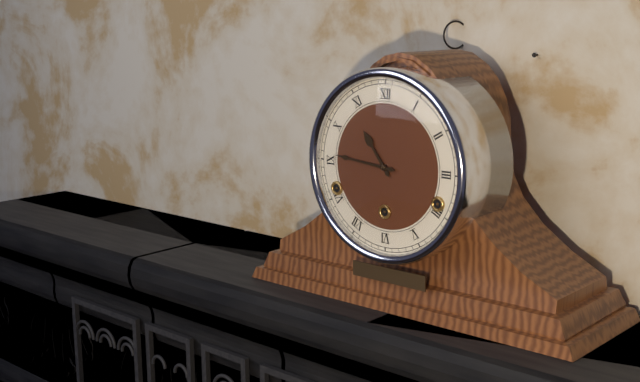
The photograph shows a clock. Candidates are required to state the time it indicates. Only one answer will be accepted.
10:46
